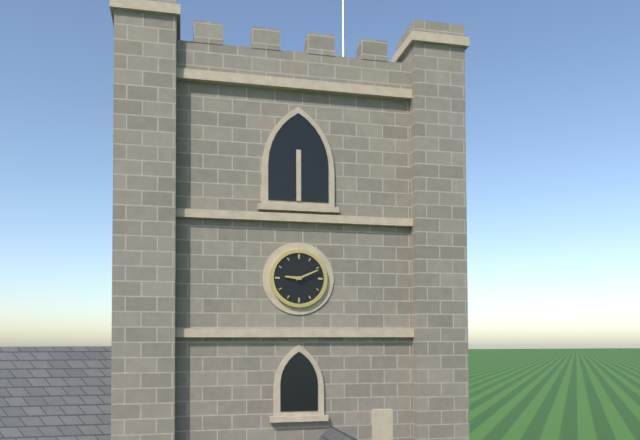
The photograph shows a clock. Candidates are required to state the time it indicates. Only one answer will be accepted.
9:11
